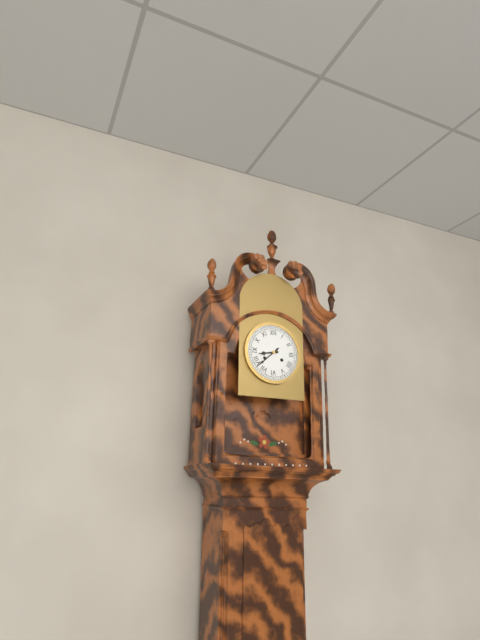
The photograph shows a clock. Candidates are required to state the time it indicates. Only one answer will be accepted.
8:38
